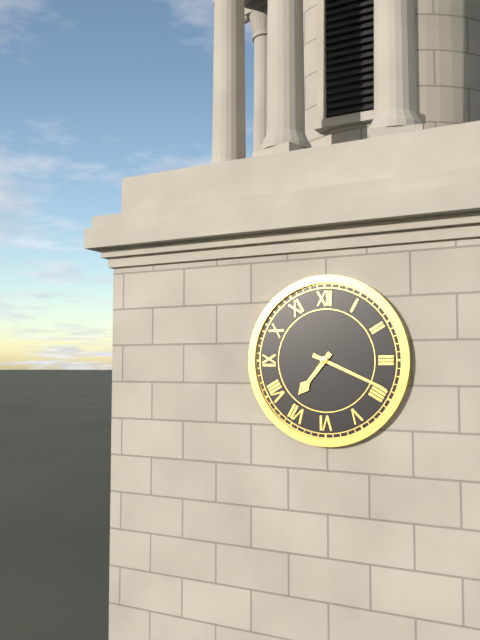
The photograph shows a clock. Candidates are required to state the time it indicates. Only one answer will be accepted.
7:19
